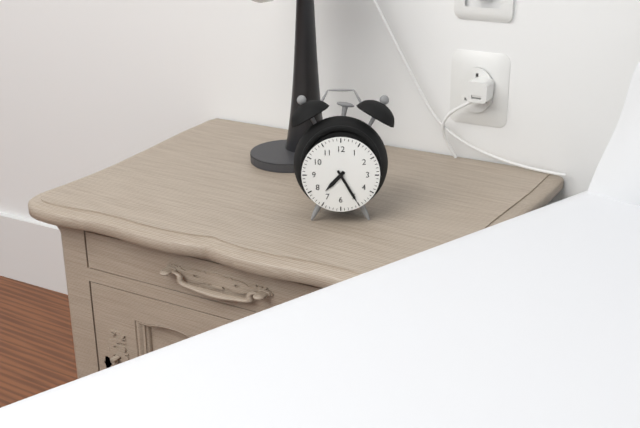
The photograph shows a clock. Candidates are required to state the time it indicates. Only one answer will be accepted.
7:25
